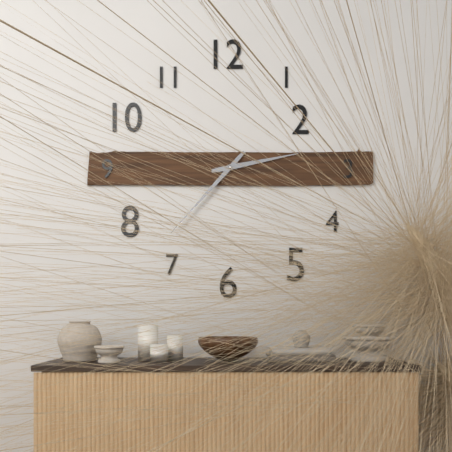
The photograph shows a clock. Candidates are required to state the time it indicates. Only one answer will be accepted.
2:37
